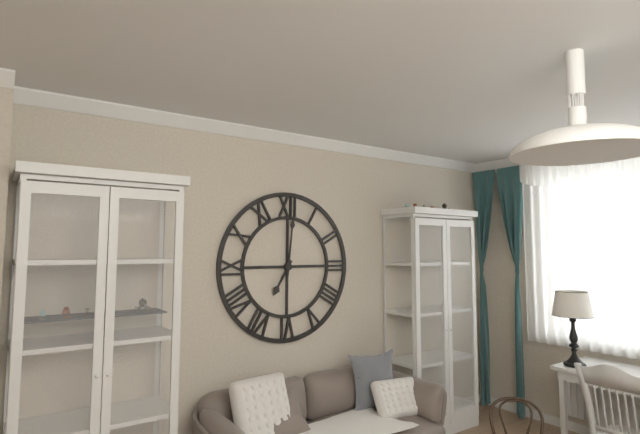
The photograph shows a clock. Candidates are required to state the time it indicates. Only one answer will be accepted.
7:01
